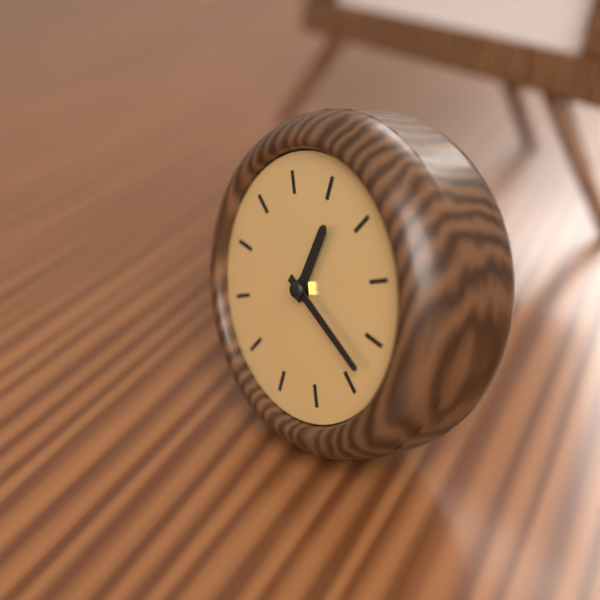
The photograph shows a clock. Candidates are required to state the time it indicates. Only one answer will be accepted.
12:18
